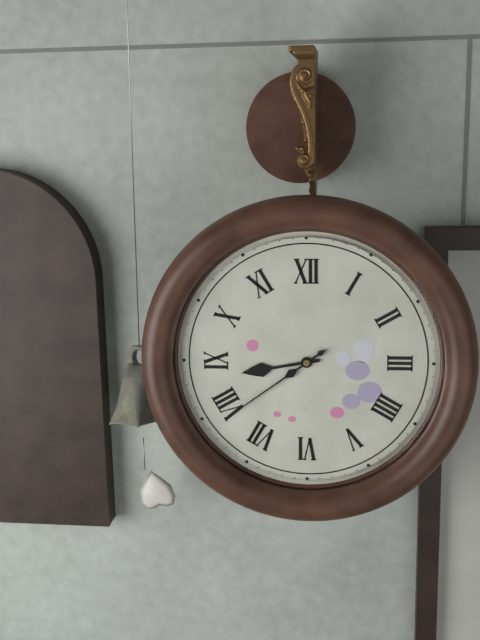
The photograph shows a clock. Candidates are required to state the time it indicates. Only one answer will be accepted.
8:39
